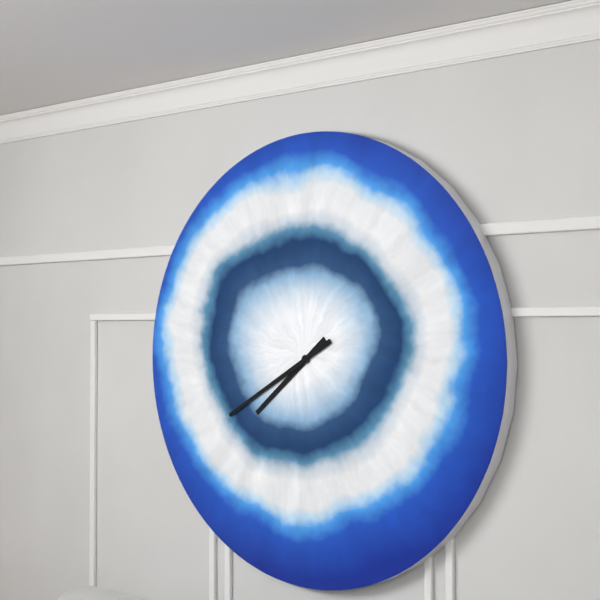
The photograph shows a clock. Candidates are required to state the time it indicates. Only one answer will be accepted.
7:40
